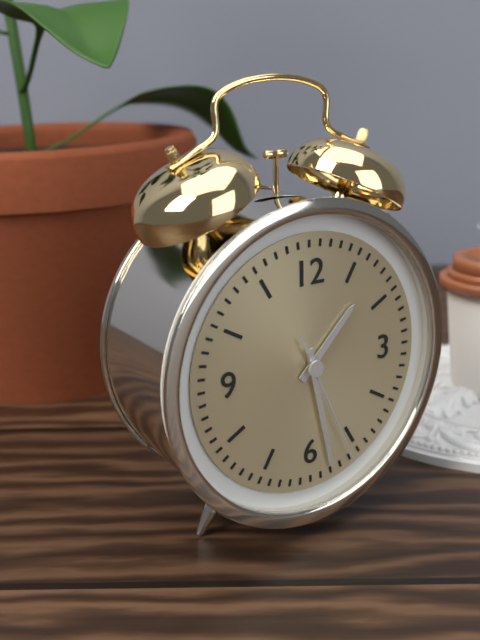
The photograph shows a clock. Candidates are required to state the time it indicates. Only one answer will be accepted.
1:28:26
